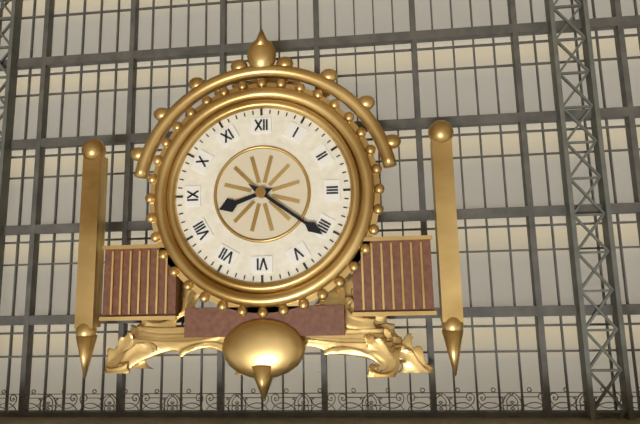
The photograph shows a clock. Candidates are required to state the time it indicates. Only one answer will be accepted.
8:21
